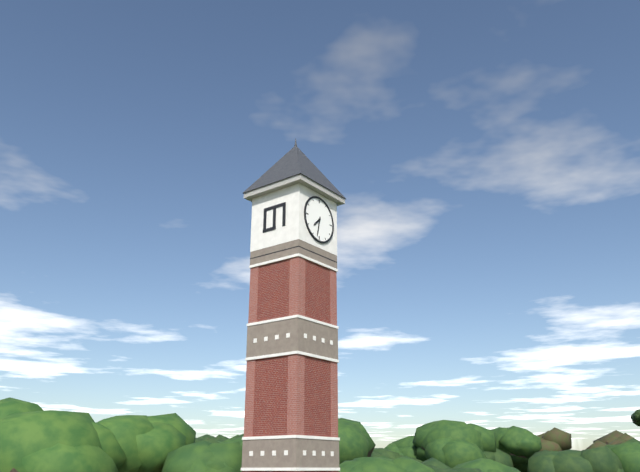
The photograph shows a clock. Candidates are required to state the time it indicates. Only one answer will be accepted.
7:32
